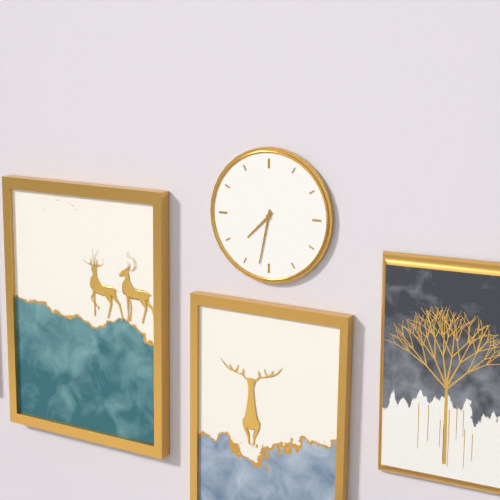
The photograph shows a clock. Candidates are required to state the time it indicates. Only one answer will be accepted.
7:32
